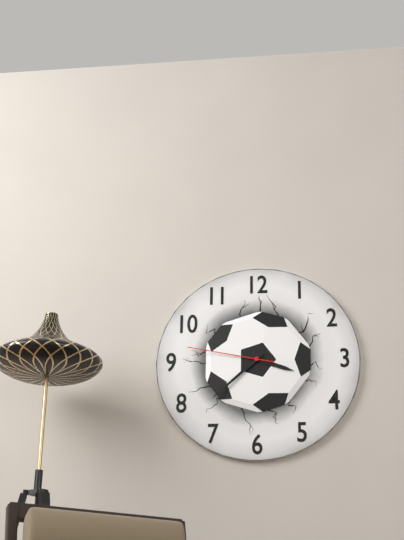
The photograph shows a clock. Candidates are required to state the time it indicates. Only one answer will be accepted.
3:38:47
